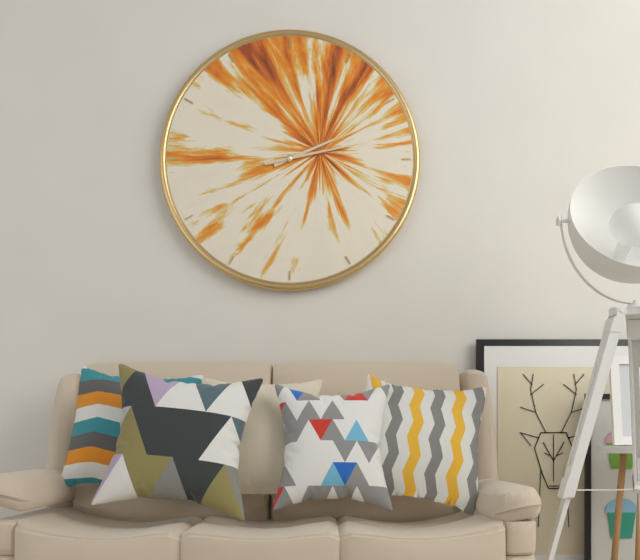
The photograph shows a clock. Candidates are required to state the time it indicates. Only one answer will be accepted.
2:13
